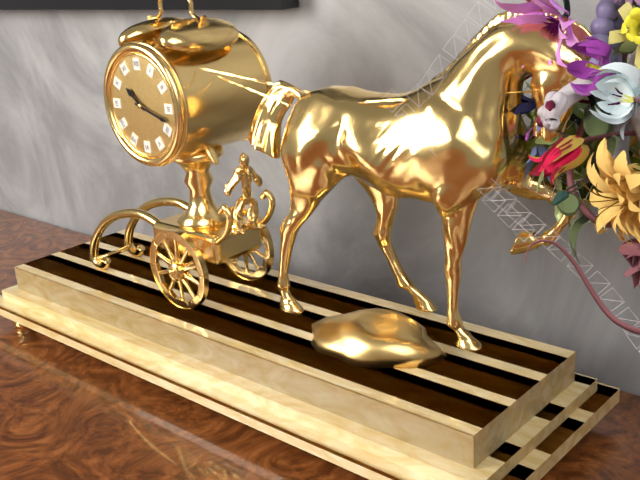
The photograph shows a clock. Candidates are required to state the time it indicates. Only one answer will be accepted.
10:18
